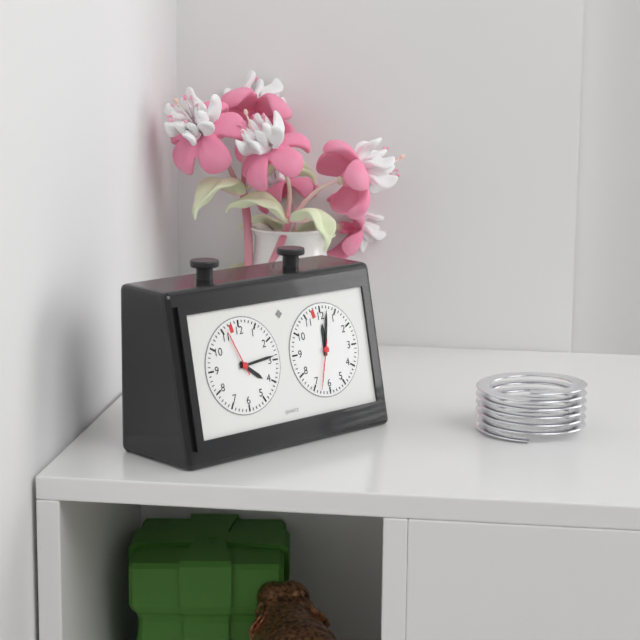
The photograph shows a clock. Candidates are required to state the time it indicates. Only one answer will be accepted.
4:14:56
